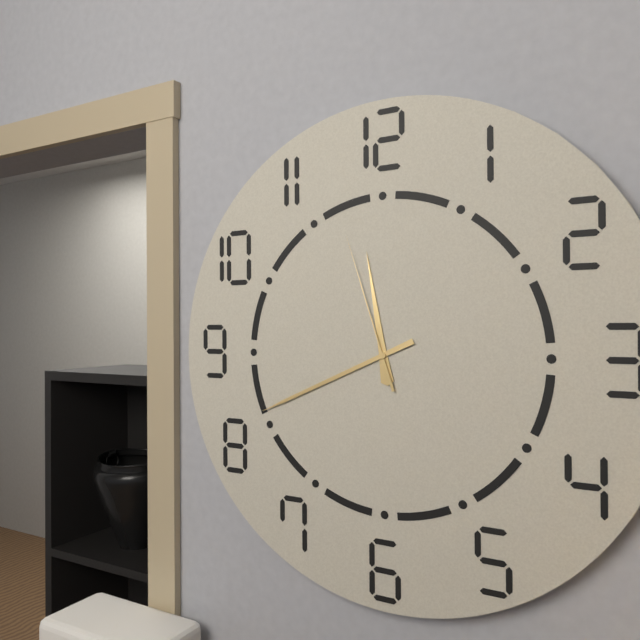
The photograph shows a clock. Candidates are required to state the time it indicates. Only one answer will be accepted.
11:41:57
